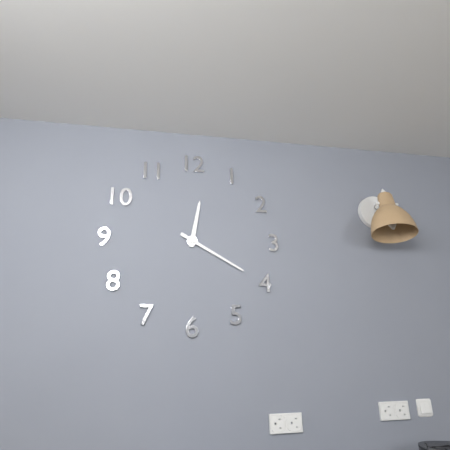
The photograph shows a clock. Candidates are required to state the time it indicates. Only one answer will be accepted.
12:20
